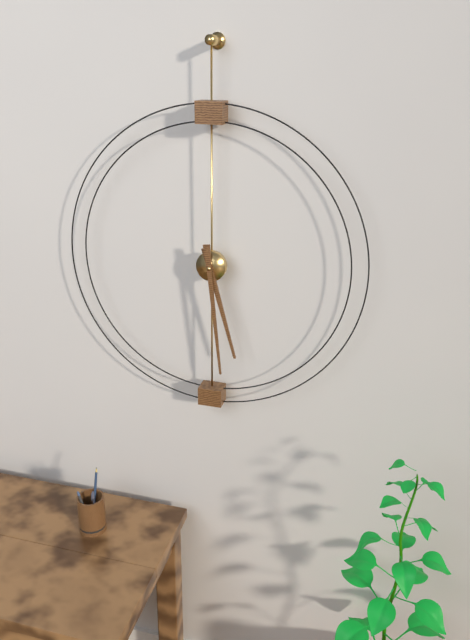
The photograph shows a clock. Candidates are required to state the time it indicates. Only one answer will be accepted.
5:29
